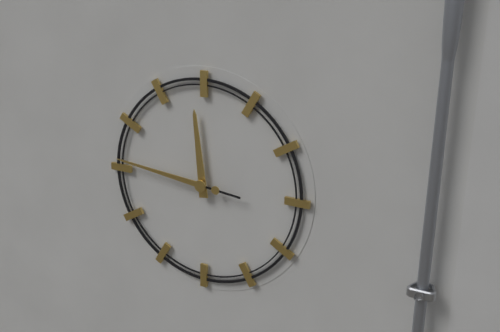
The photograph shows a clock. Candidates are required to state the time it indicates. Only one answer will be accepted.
11:46
